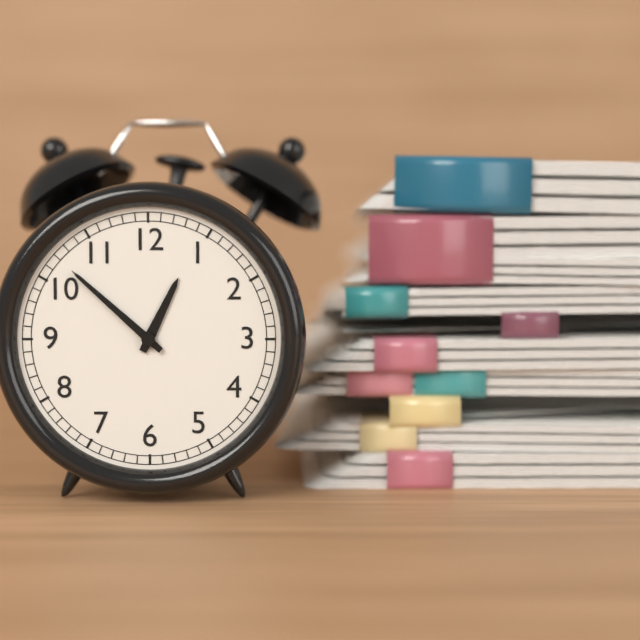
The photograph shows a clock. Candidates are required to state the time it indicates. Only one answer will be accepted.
12:52
